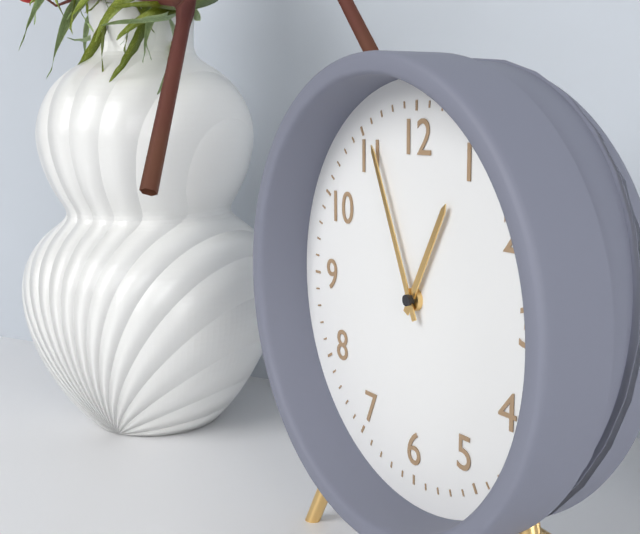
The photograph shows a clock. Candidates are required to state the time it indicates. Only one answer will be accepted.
12:56
